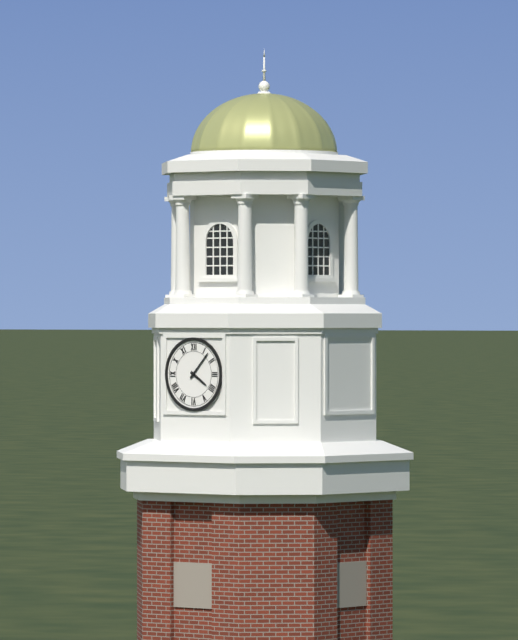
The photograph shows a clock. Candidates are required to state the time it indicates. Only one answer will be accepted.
4:07
